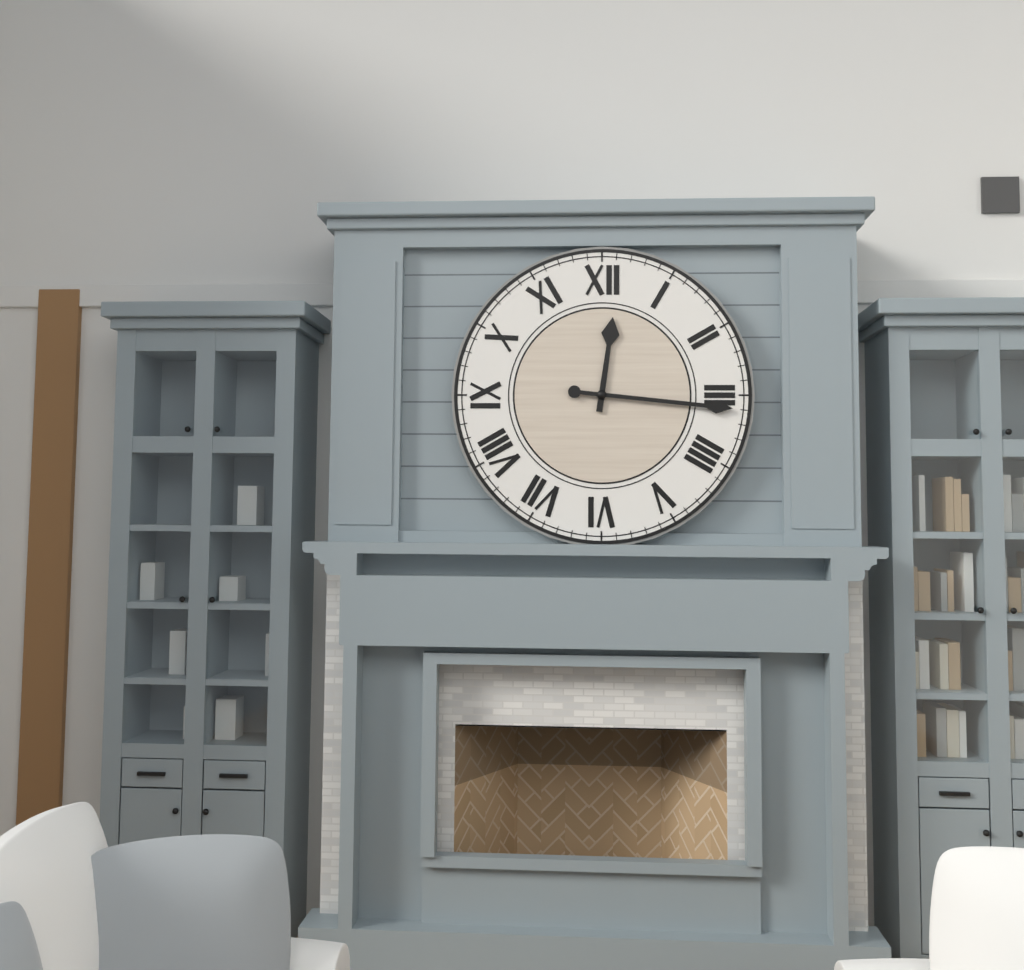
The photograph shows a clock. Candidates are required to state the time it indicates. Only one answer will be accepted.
12:16
